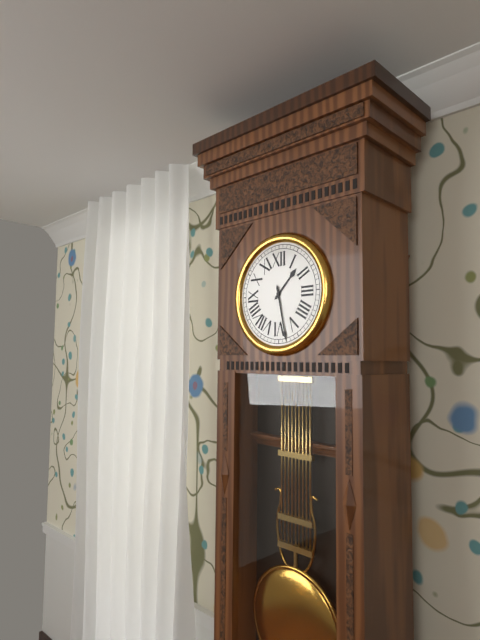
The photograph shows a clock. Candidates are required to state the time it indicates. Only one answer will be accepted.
1:28
